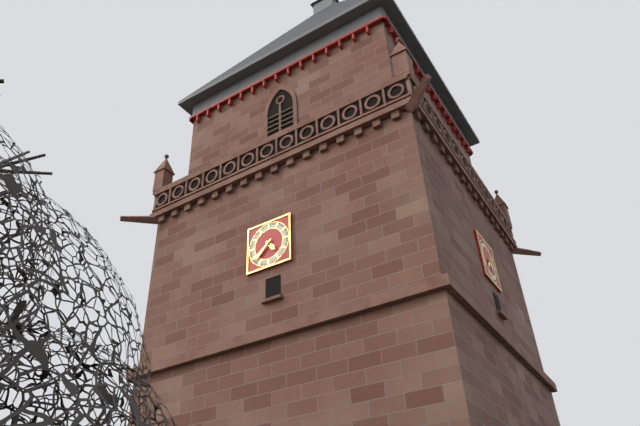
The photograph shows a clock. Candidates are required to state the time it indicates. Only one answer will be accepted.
4:38
